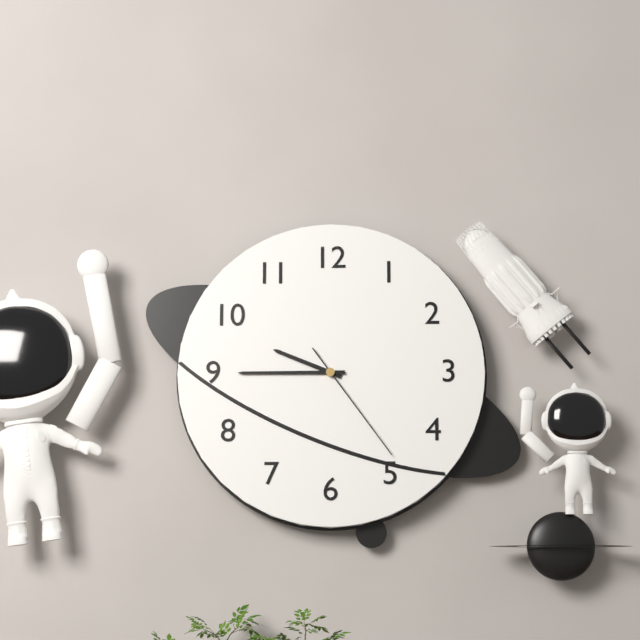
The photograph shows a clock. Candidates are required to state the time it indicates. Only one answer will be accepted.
9:45:24
